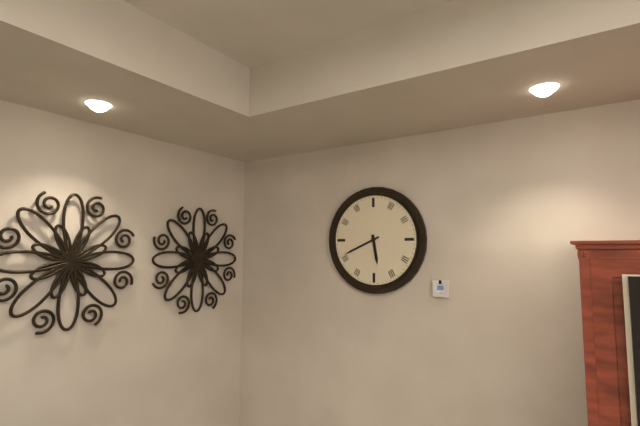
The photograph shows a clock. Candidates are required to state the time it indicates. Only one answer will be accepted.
5:41
